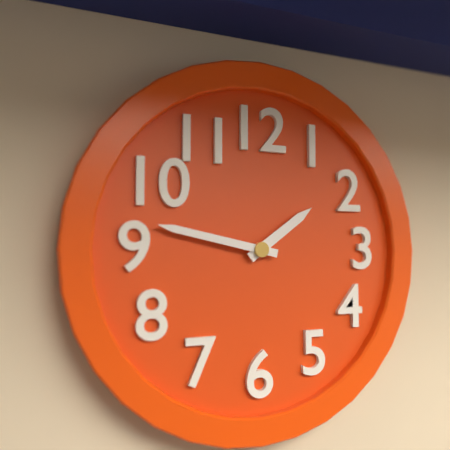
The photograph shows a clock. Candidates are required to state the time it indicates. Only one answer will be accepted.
1:47
